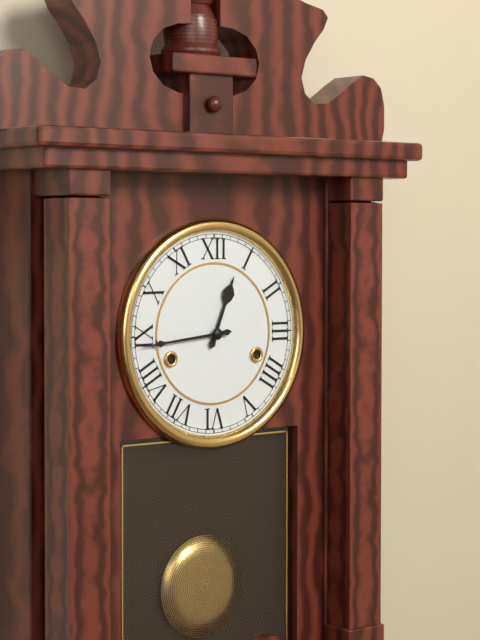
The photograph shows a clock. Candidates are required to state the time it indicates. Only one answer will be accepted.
12:44
